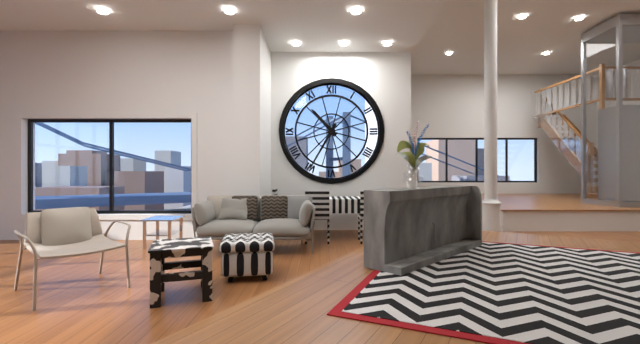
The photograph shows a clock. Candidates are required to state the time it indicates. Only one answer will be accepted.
10:35
